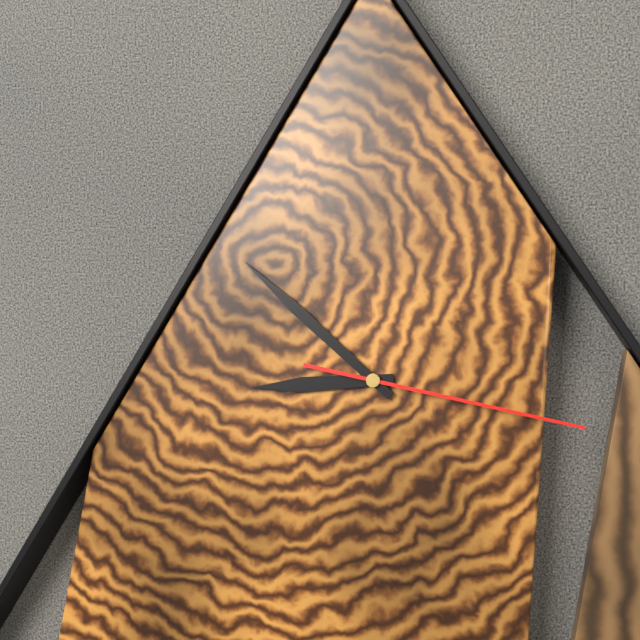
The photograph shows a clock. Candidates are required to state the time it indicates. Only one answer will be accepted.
8:52:17
